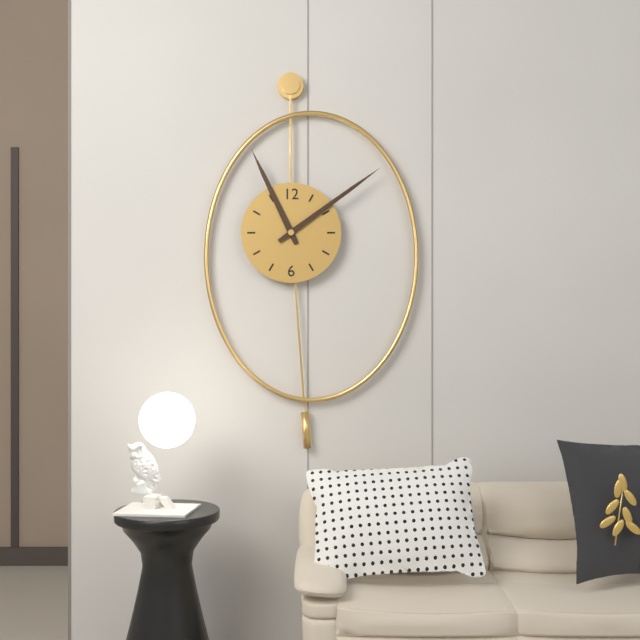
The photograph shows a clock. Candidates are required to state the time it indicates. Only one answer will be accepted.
11:09
